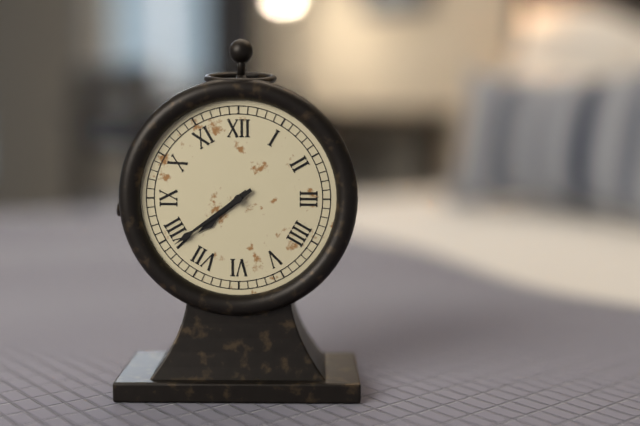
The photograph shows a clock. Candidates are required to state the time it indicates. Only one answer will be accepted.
7:39
